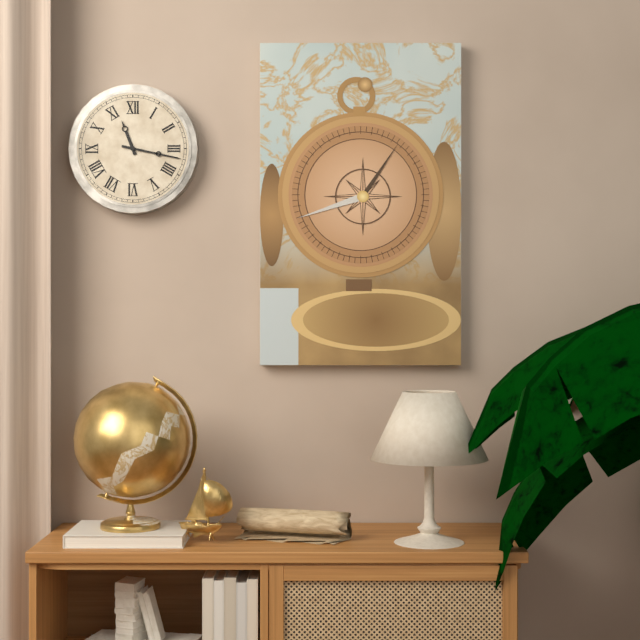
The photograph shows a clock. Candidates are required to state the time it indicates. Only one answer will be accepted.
11:17
